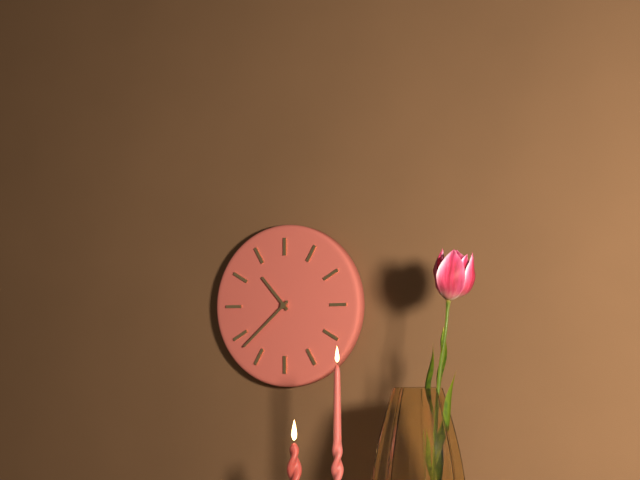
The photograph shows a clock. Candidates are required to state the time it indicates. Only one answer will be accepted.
10:38
